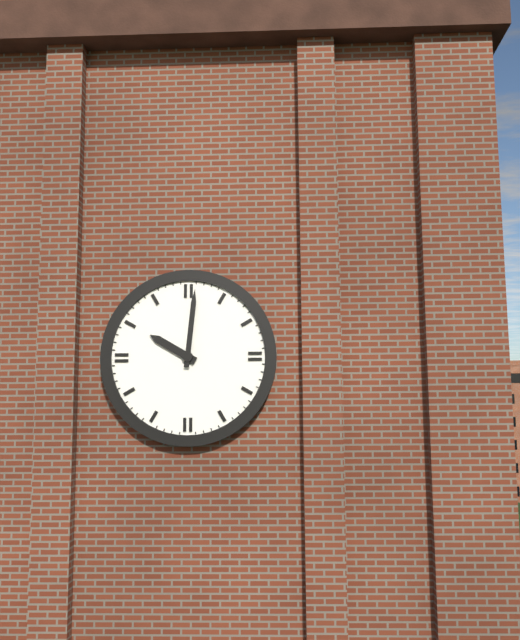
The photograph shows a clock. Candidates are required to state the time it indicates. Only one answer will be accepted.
10:01
